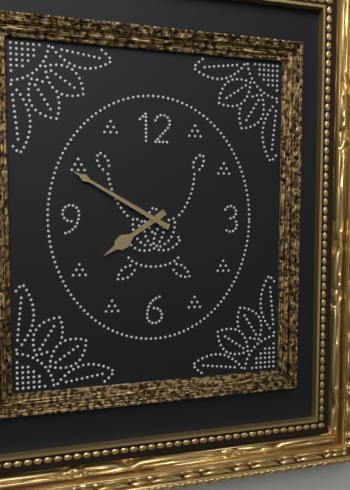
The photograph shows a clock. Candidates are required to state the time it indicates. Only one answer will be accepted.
7:50
